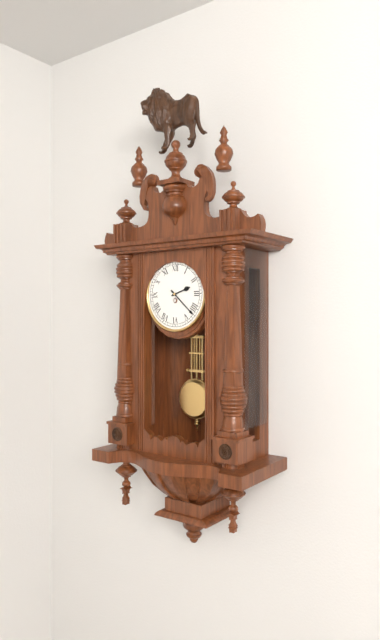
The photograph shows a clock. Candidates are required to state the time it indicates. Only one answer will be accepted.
2:22
